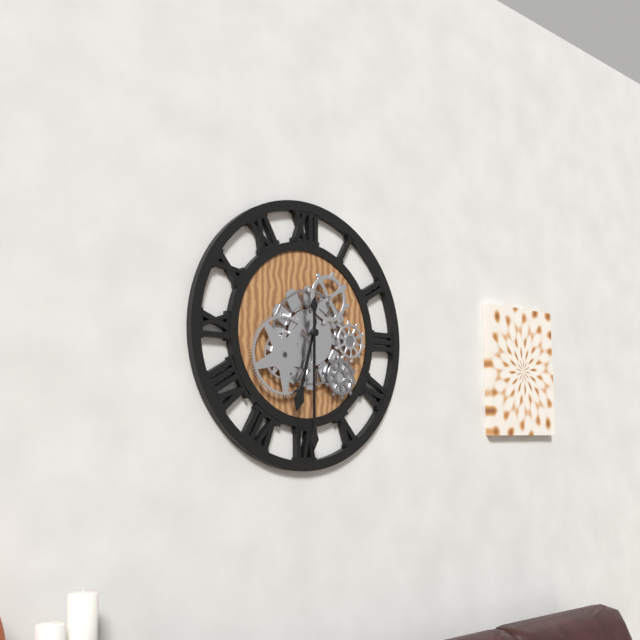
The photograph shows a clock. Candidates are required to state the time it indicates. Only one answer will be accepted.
6:30
